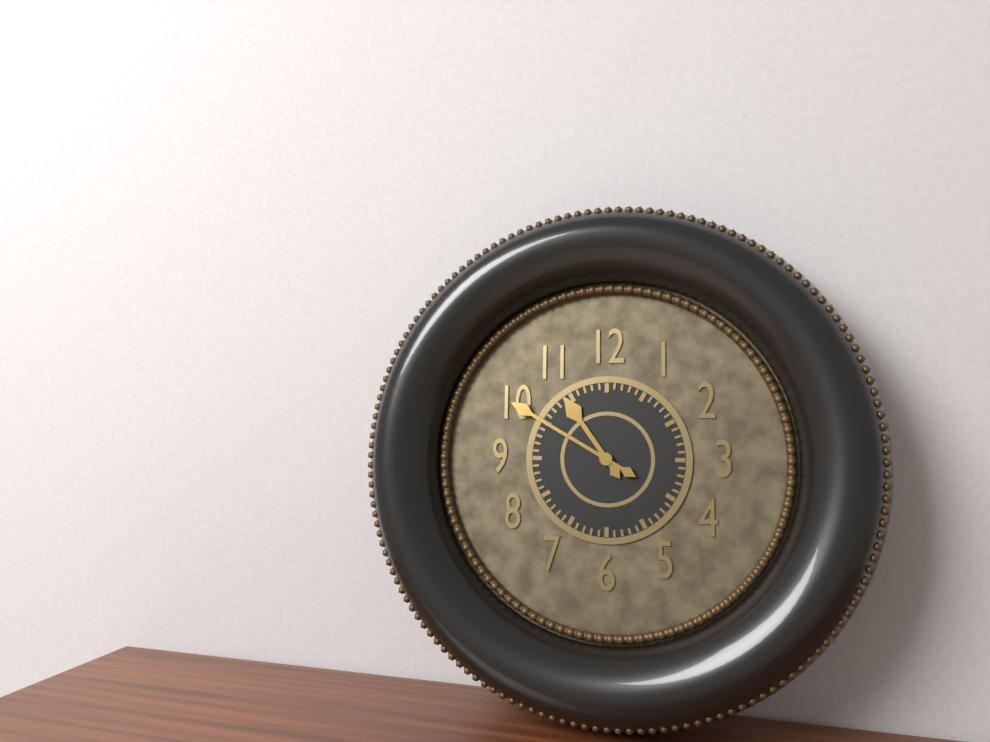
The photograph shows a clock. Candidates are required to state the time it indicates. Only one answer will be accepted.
10:50
